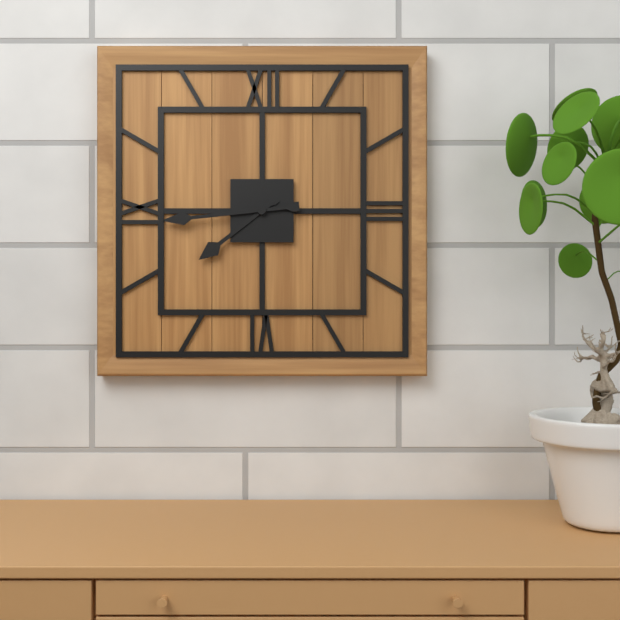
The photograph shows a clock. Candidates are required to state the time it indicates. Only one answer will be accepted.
7:44
